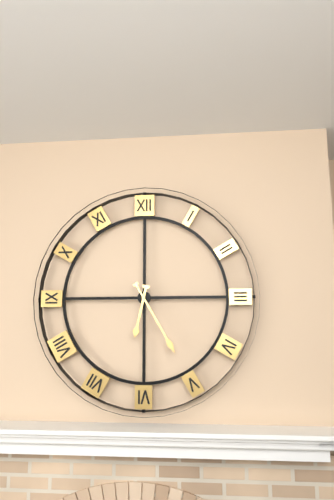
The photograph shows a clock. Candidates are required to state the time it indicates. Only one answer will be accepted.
6:25
